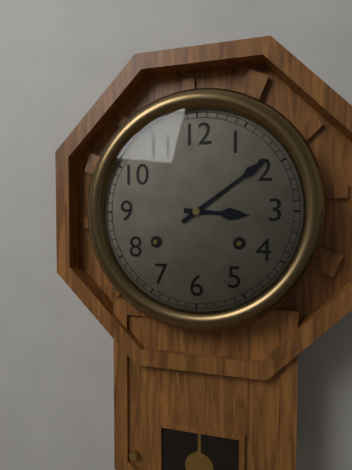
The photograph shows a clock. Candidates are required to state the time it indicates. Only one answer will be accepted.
3:09
